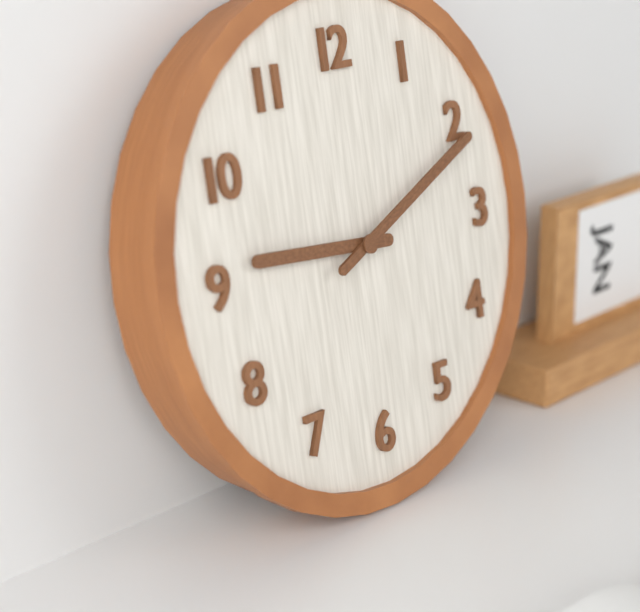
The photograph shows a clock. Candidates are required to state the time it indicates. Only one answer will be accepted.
9:11
